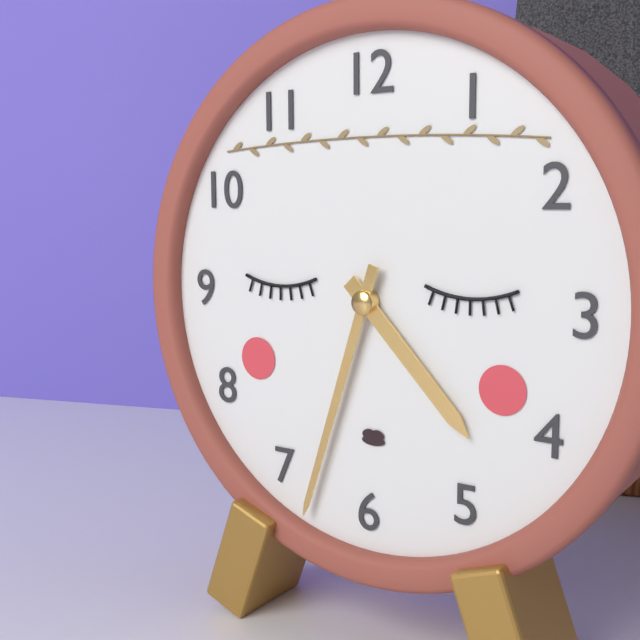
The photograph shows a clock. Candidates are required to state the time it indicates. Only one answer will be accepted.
4:33
